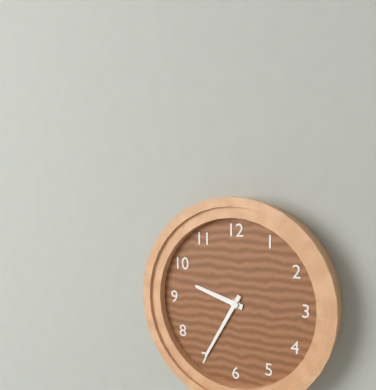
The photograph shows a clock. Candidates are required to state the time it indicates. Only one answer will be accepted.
9:35
